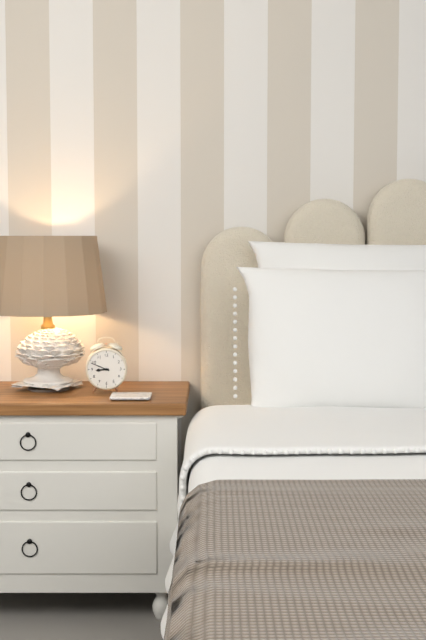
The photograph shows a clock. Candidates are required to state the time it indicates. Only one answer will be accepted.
8:49
